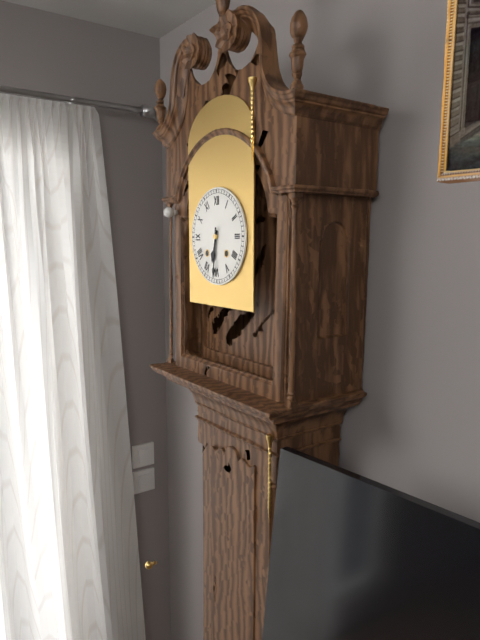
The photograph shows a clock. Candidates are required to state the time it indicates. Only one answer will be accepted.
6:31
